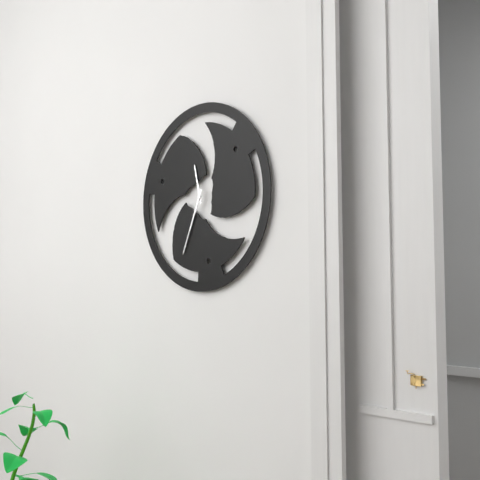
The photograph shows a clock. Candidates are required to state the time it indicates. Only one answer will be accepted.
11:34
